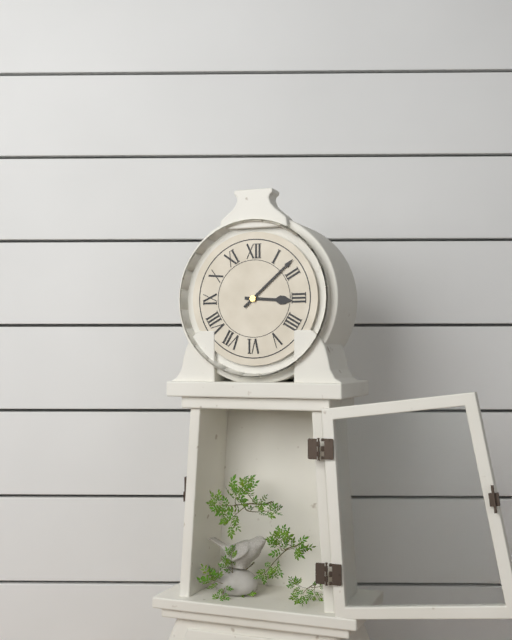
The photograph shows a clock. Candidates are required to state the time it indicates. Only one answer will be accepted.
3:08
